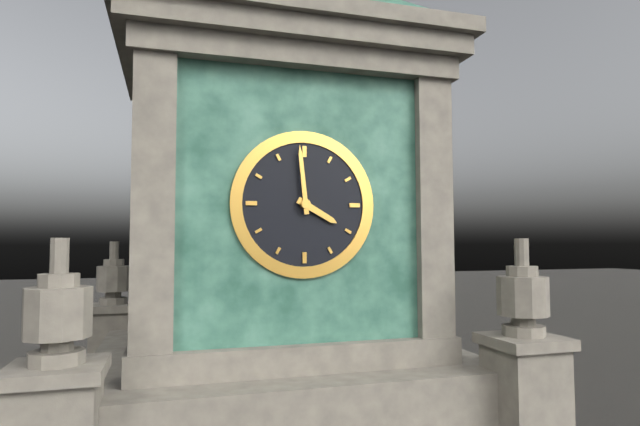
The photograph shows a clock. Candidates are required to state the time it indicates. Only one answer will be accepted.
3:59
